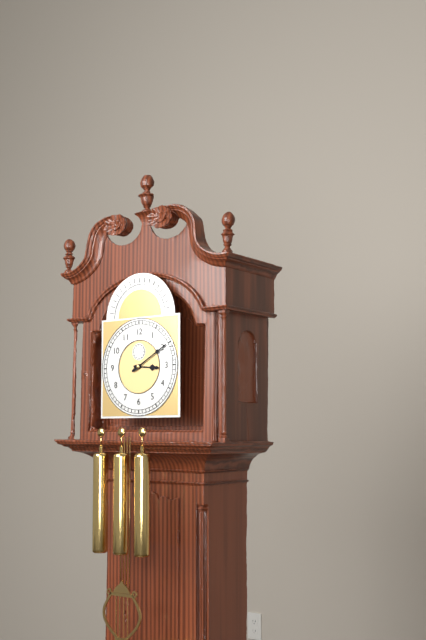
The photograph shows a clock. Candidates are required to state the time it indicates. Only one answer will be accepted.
3:10
